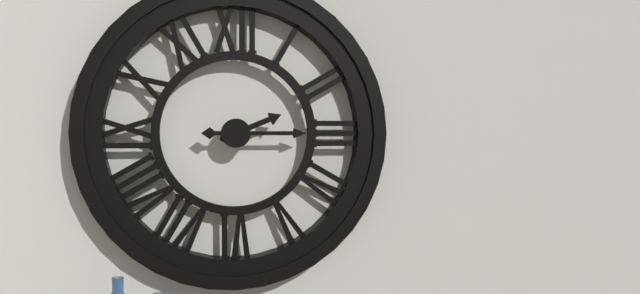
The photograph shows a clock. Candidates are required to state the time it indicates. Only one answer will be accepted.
2:15
